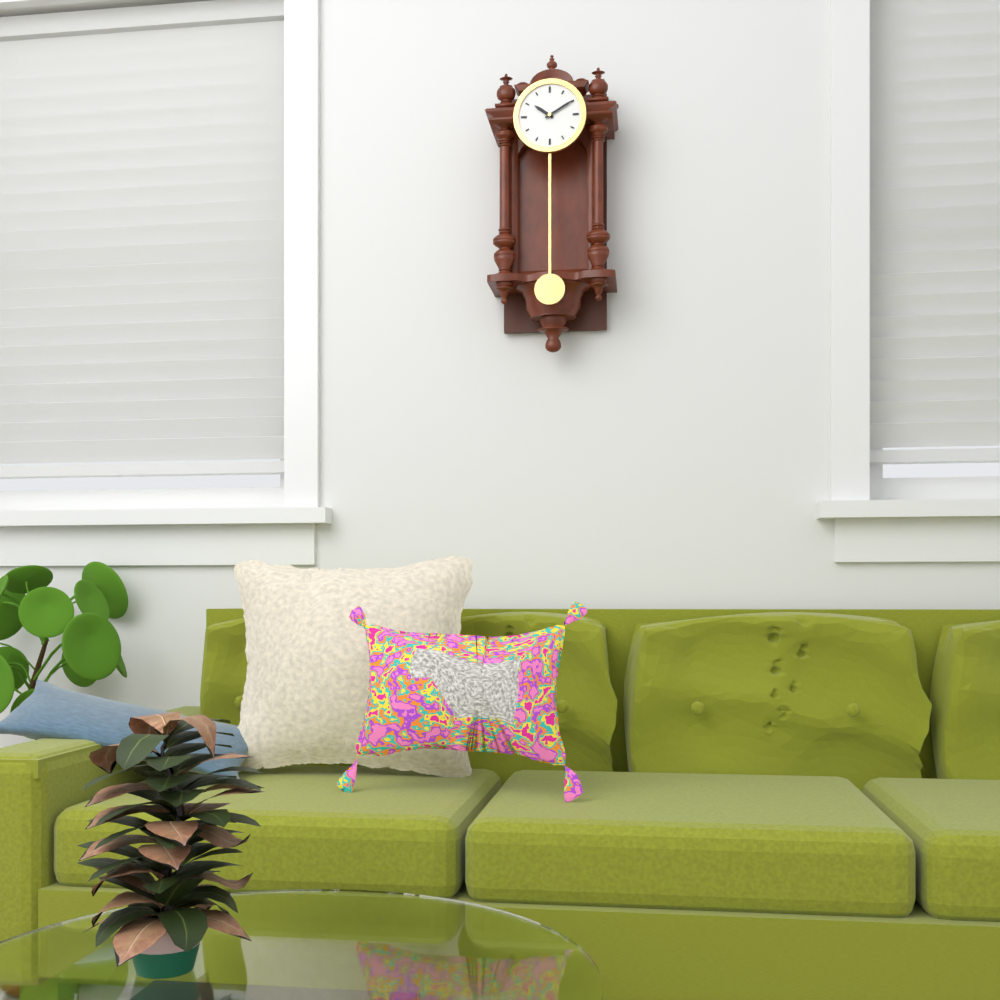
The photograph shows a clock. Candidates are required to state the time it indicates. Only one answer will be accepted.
10:10
